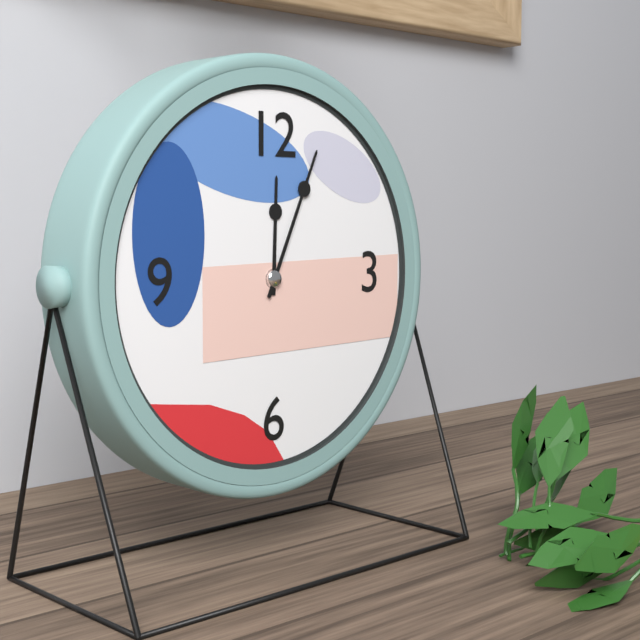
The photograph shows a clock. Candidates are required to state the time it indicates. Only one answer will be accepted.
12:04
